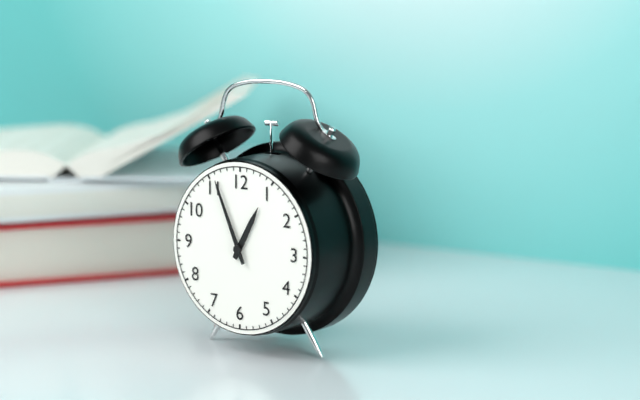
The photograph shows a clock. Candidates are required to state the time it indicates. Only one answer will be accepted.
12:56
